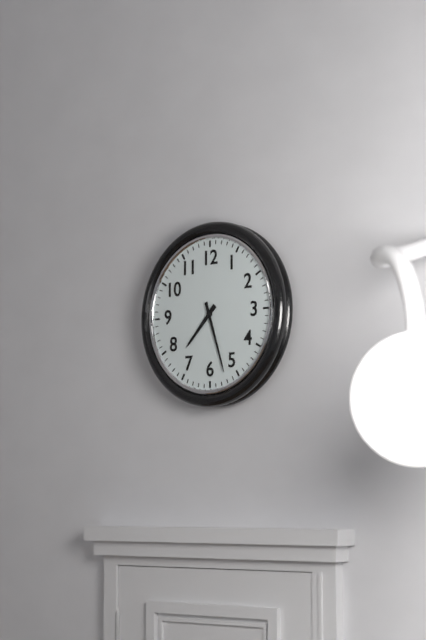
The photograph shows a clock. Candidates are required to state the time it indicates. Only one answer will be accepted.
7:27
